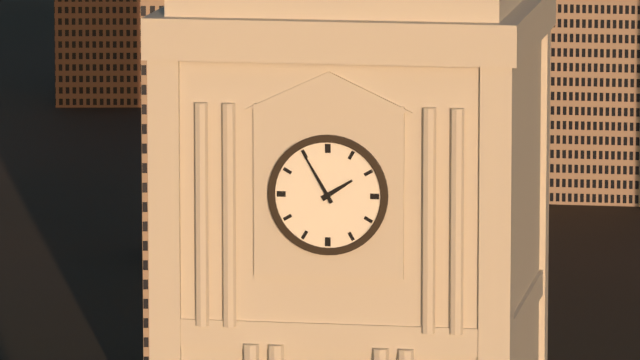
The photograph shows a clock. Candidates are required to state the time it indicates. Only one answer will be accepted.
1:55
